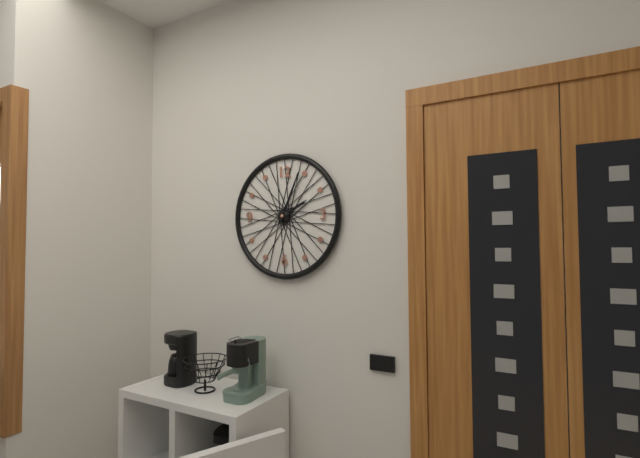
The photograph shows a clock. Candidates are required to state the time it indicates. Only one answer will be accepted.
2:04
